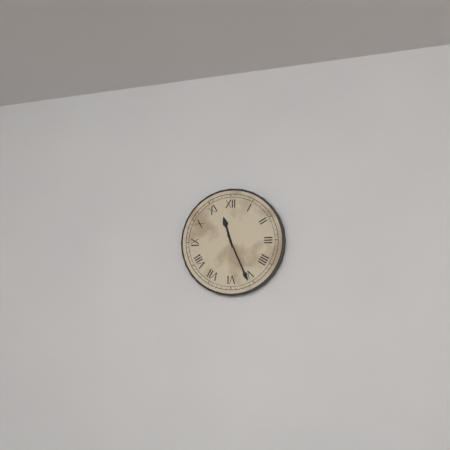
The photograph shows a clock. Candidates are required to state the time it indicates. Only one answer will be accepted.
11:26
